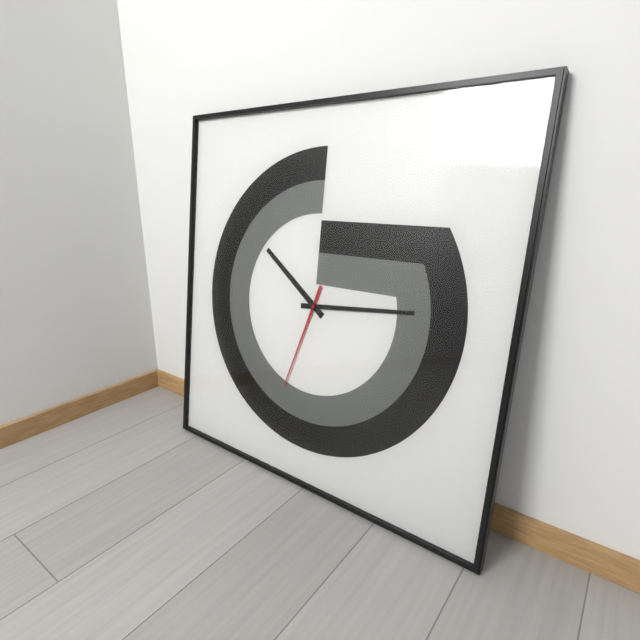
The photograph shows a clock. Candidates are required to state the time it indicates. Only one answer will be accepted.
10:14:33
